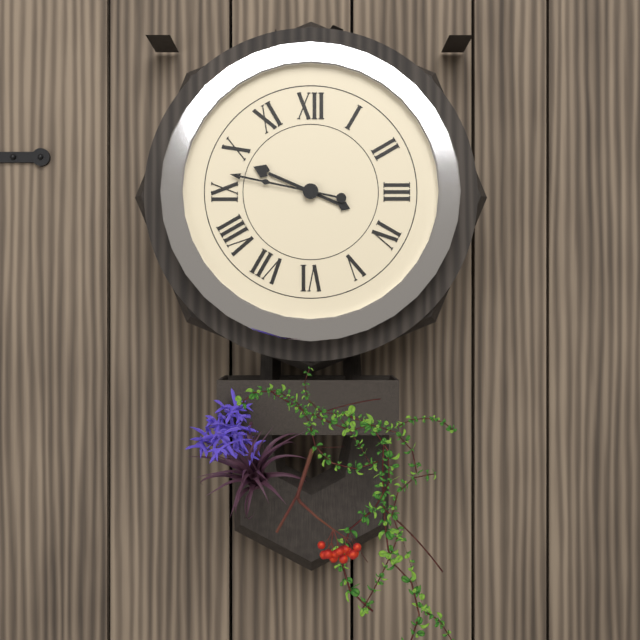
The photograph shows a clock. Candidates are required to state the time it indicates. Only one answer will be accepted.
9:47
